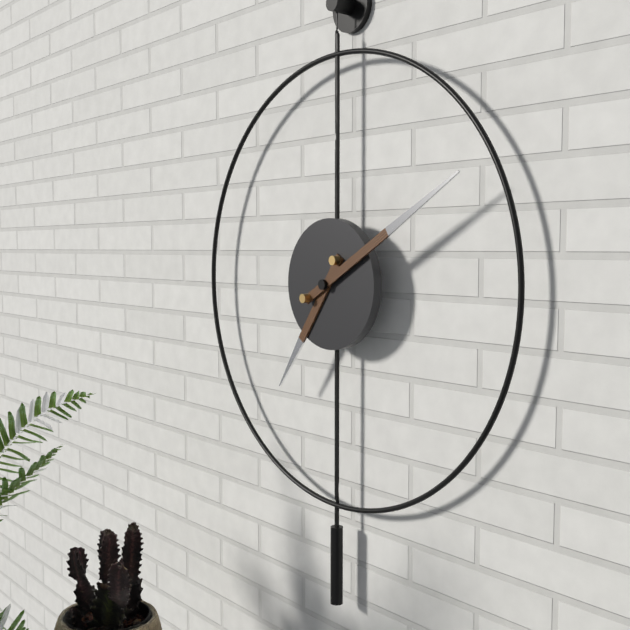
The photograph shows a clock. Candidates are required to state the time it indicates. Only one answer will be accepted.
7:10
